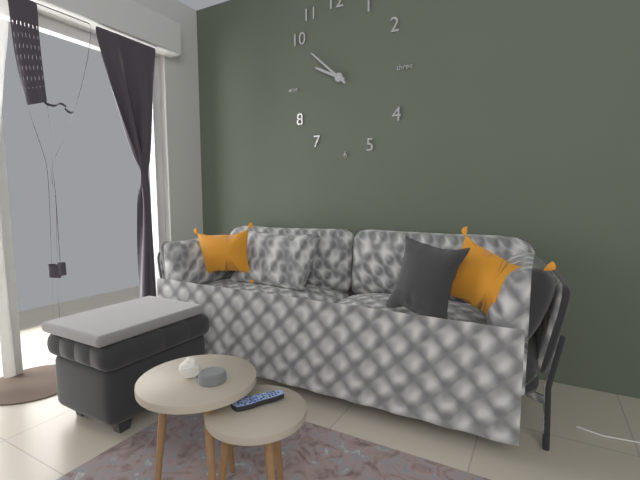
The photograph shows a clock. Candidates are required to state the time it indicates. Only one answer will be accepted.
9:52
